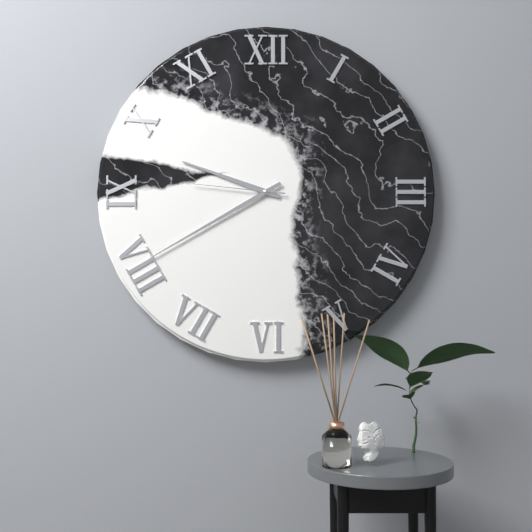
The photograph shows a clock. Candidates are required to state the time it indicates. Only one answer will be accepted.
9:40:46
